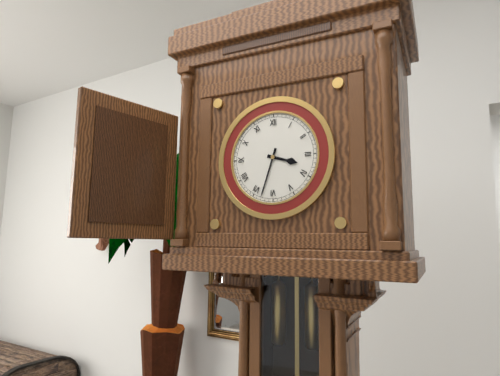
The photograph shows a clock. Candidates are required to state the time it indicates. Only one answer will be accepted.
3:33
